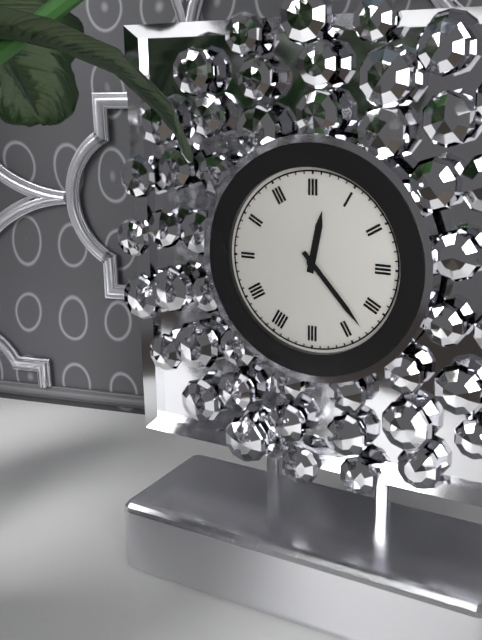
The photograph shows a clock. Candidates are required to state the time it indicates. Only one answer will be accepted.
12:23
